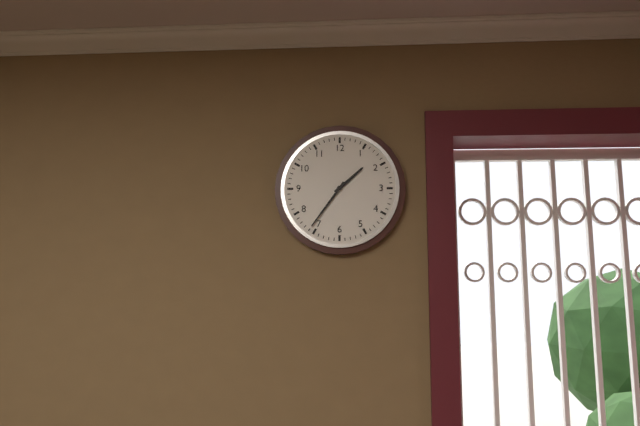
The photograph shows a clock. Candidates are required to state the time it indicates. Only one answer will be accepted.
1:36
